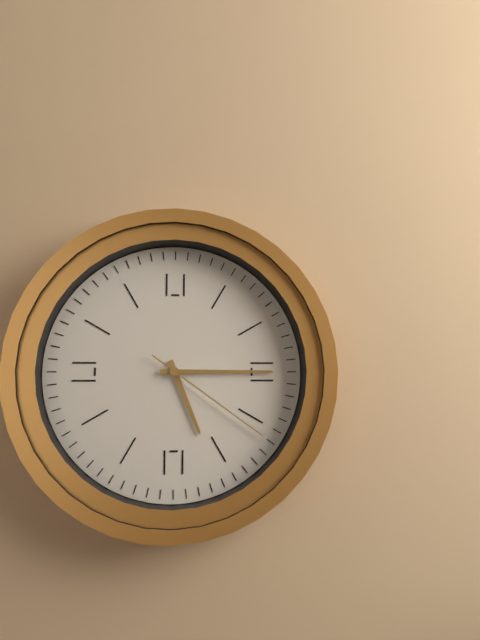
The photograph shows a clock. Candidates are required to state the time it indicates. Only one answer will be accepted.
5:15:21
